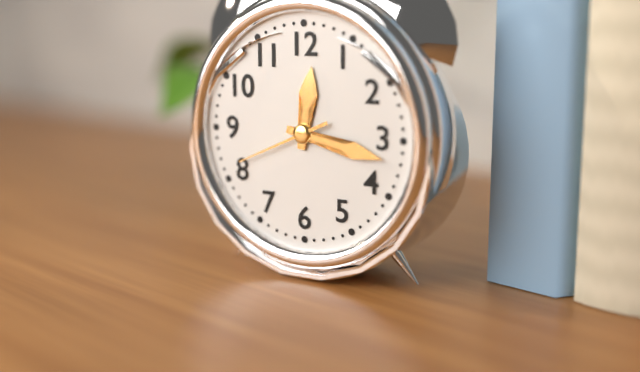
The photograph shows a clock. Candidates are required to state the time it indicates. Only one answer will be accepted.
12:17:41
